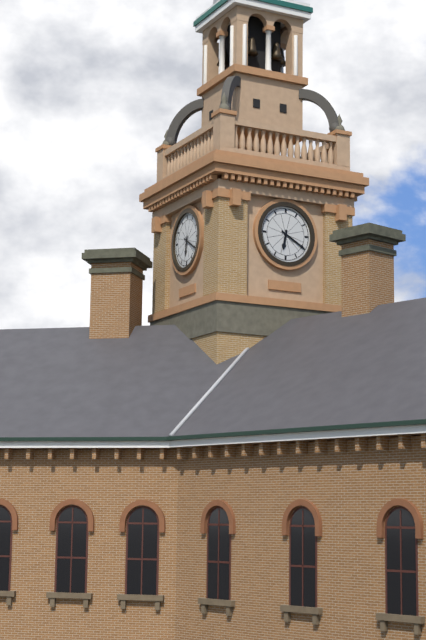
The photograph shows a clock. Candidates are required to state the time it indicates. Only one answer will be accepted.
6:20
